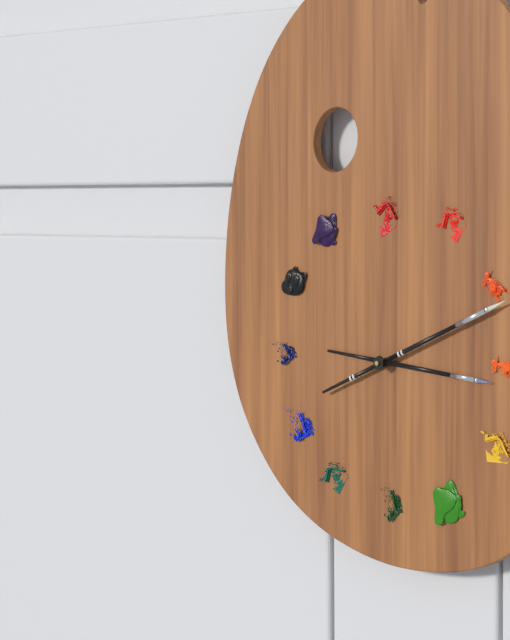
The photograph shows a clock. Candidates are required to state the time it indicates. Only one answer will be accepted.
3:11
